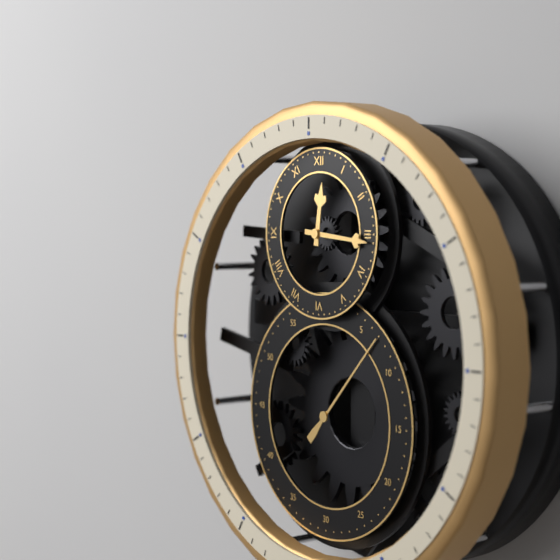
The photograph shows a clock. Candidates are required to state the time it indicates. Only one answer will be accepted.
12:16:07
